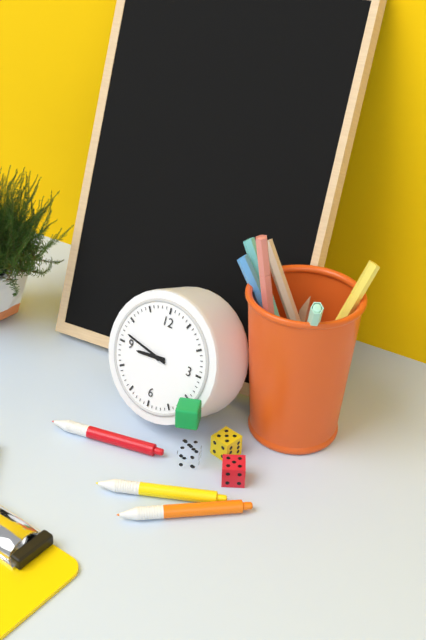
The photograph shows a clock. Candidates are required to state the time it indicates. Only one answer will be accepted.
8:47
